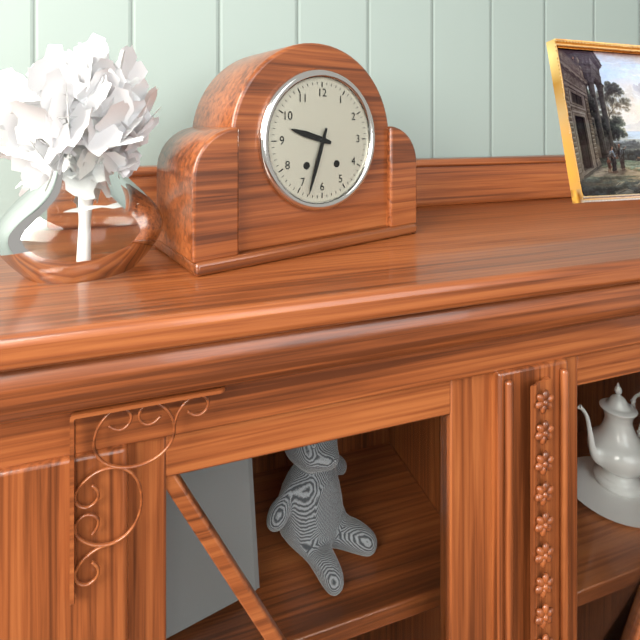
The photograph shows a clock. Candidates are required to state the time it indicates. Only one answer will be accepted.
9:33
